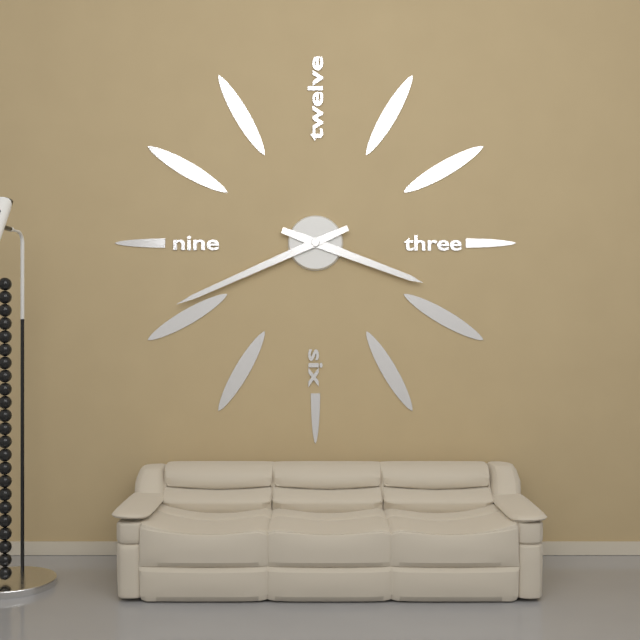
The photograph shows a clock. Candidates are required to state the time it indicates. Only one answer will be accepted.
3:41
